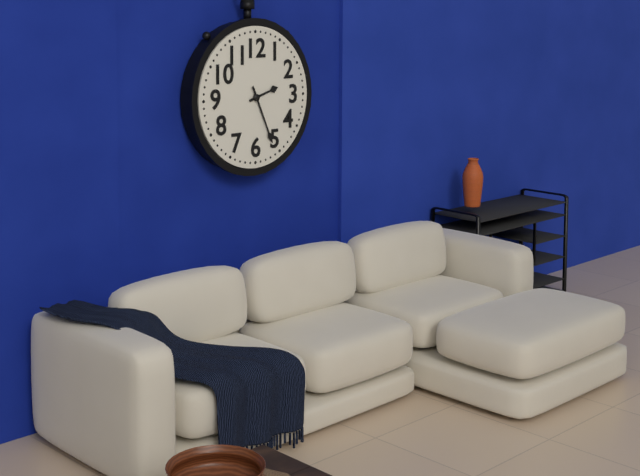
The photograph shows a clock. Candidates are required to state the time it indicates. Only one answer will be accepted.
2:26
